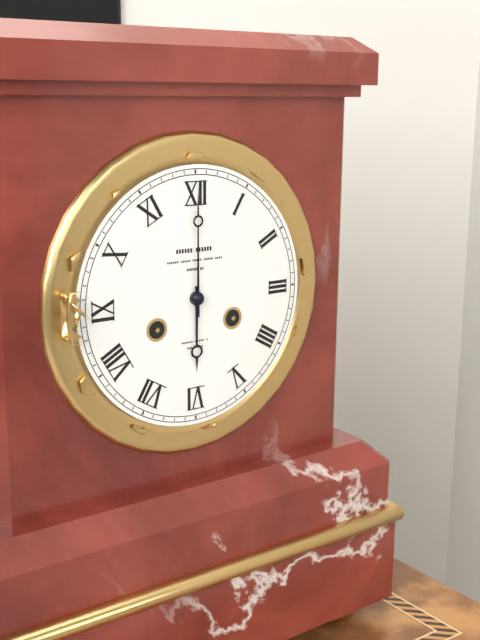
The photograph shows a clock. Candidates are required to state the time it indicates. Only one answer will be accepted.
6:00
